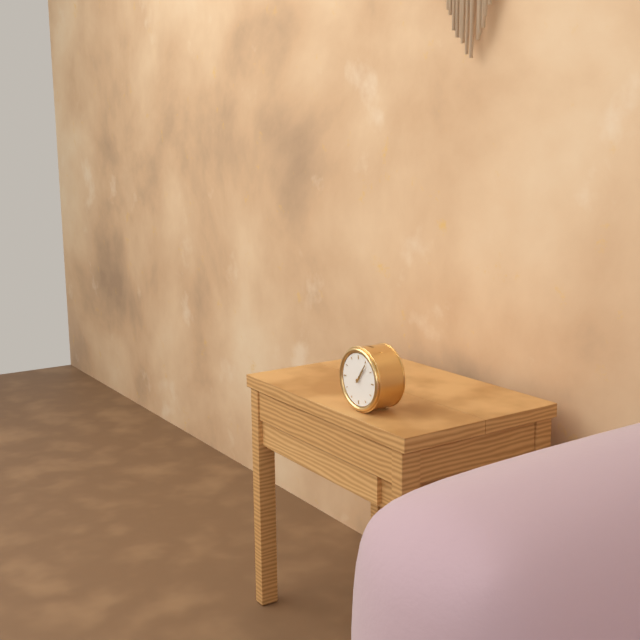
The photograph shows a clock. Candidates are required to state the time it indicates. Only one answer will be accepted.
1:06
